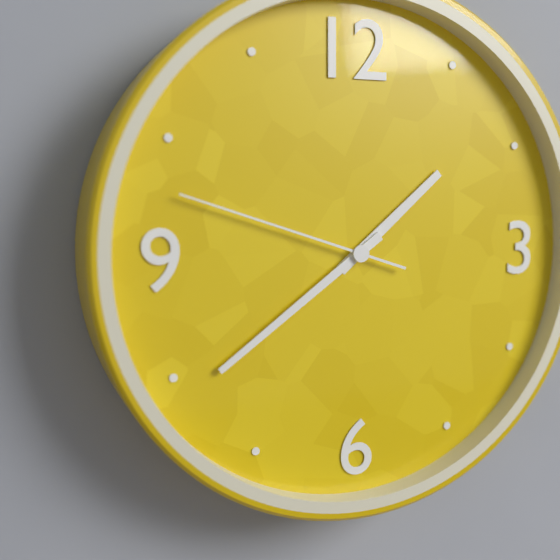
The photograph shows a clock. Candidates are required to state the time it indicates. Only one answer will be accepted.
1:39:48
